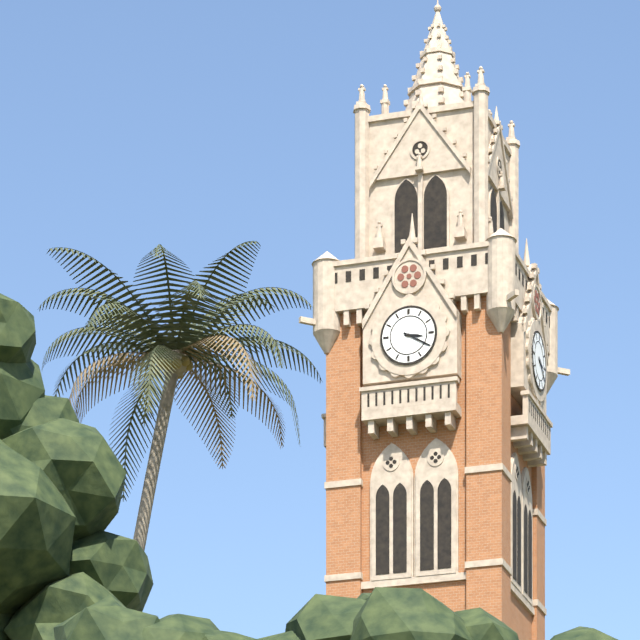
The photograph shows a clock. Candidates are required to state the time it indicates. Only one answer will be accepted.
3:20
